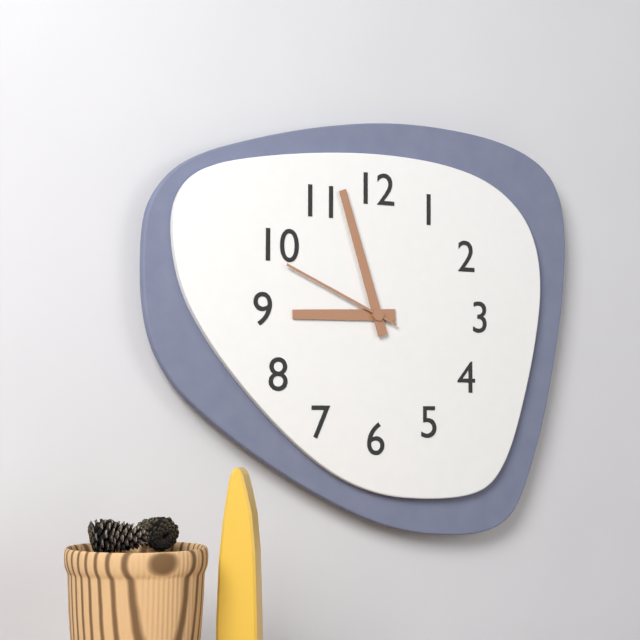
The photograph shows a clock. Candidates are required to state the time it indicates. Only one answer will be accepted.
8:57:49
